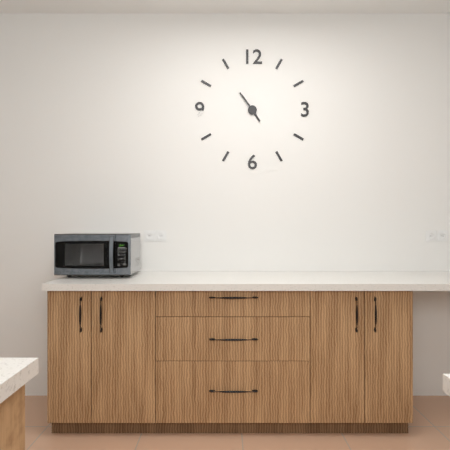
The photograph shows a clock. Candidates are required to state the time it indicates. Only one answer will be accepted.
4:54
